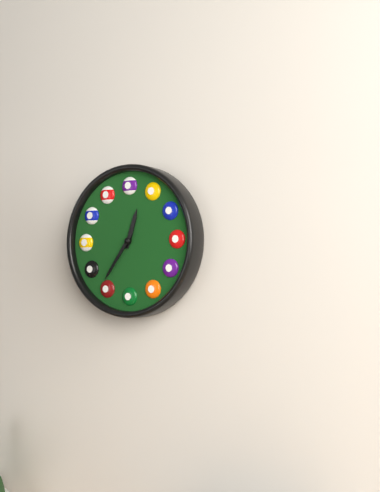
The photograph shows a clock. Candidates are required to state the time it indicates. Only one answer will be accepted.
12:36
